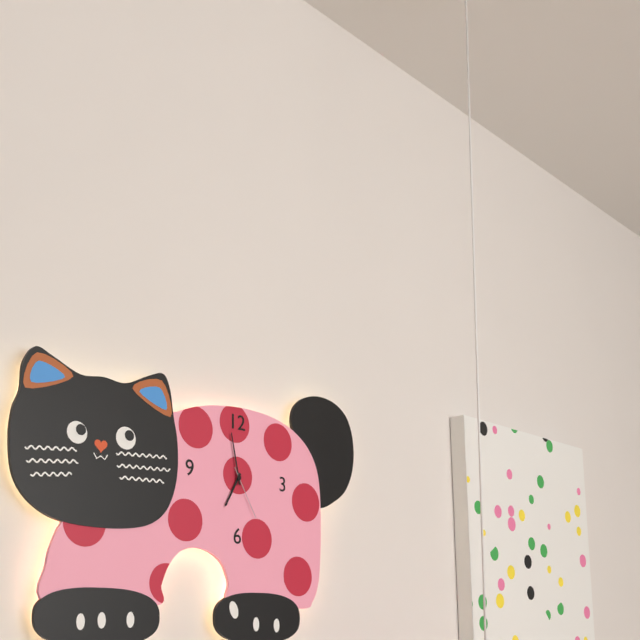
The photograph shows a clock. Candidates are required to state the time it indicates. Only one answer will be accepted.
6:58:25
